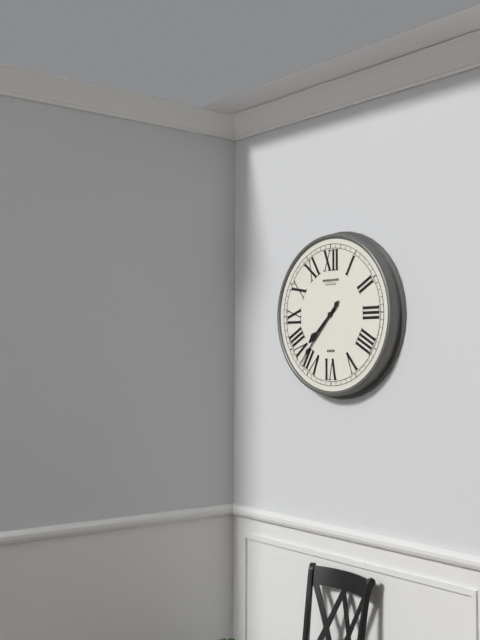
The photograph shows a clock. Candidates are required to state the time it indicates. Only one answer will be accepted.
7:37
